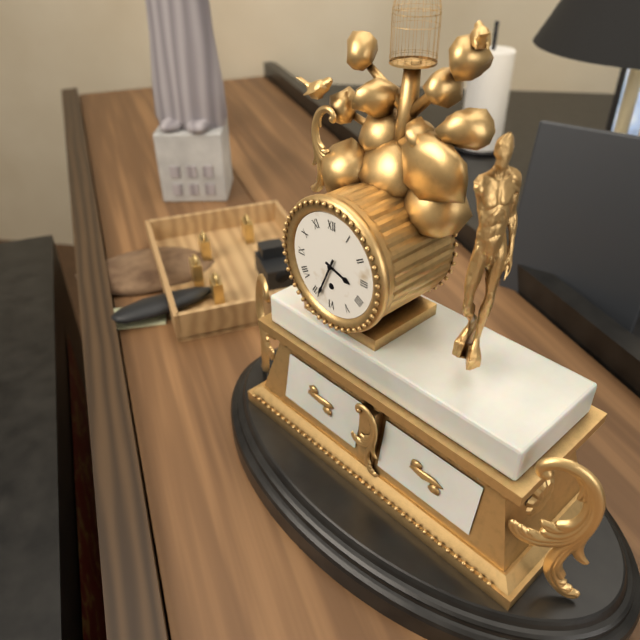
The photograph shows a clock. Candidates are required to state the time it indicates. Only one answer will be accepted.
3:34
